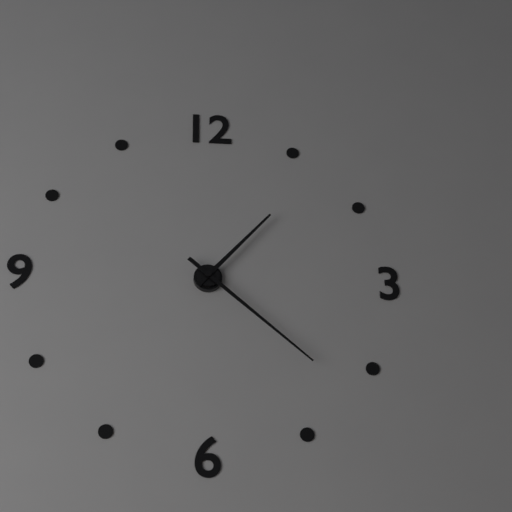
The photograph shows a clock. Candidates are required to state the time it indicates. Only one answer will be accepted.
1:22
